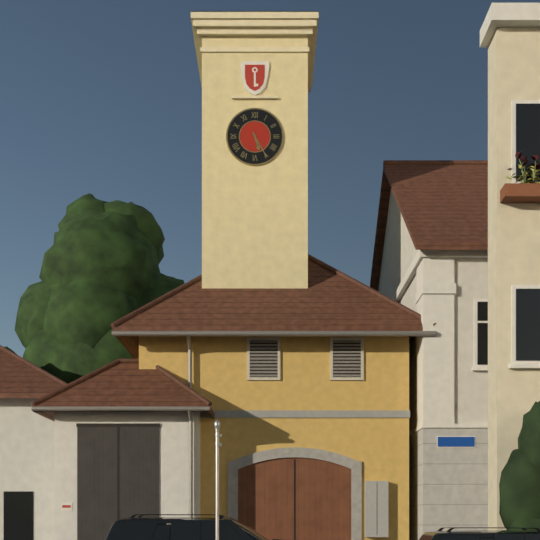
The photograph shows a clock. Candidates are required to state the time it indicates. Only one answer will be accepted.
5:25
